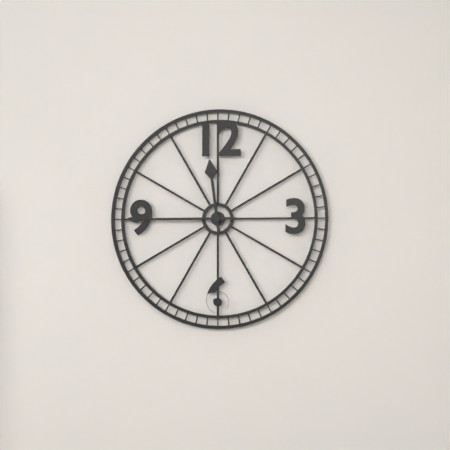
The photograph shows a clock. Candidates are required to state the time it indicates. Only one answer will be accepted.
11:45
